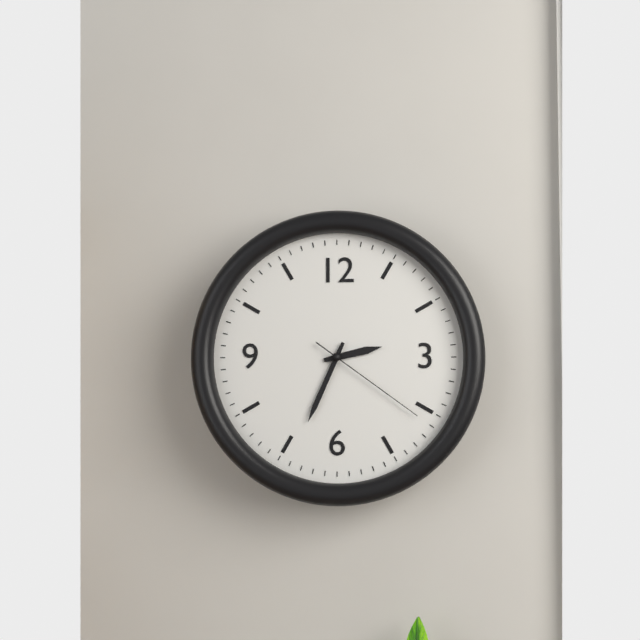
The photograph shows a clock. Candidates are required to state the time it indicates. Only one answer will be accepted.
2:34:21
